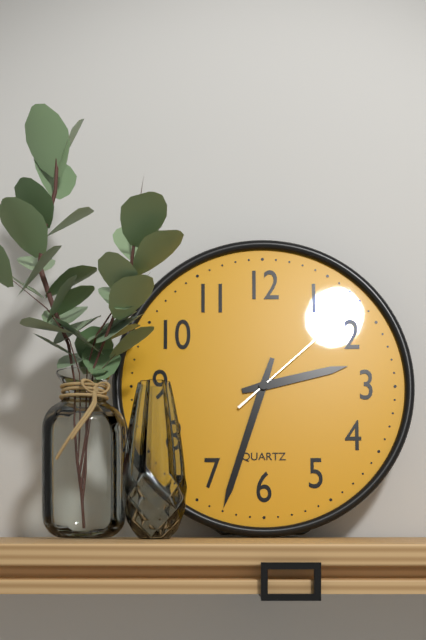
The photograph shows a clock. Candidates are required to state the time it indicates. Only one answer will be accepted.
2:33:08
